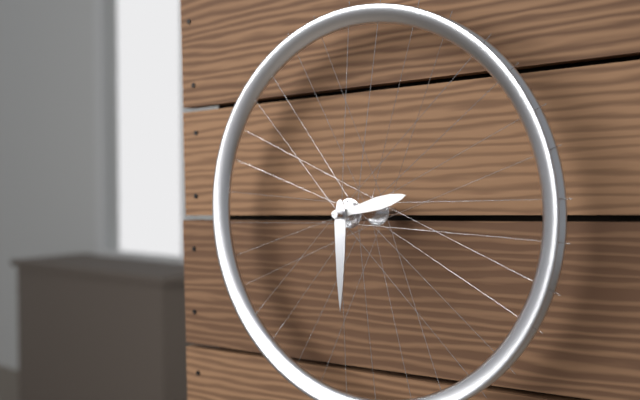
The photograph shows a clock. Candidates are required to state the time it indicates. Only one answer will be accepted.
2:30
